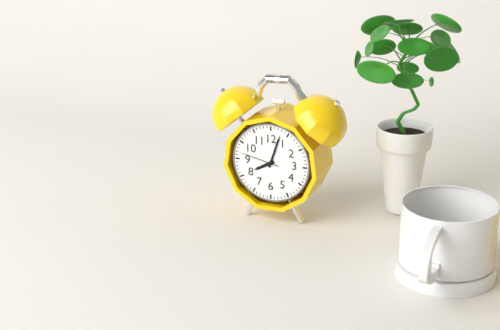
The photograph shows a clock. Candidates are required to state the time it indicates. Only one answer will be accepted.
8:03
